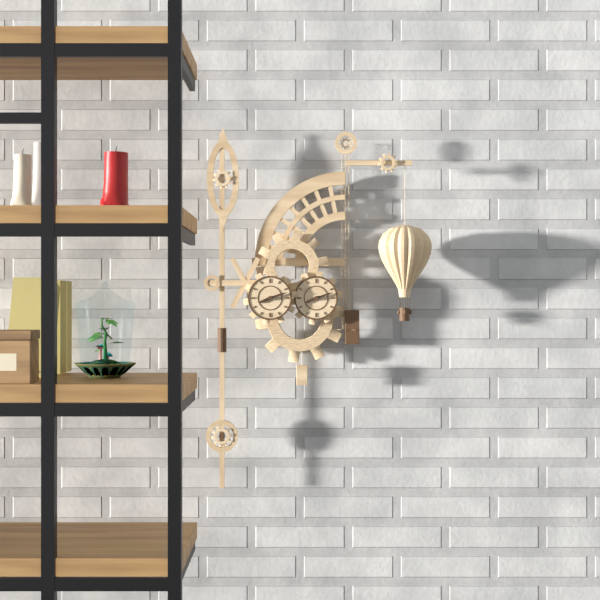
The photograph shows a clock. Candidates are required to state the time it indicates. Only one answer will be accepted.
8:12
